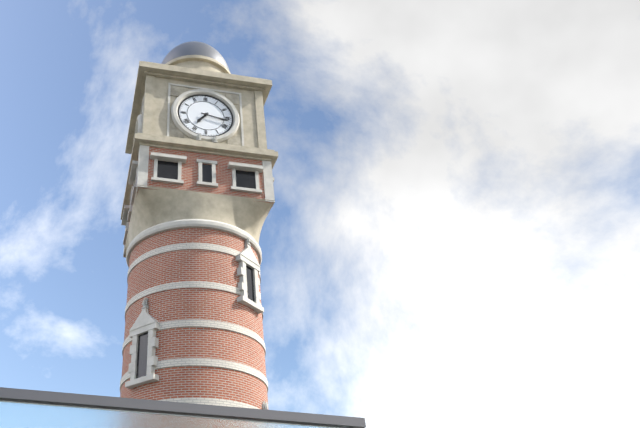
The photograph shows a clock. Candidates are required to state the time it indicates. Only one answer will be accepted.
7:17
